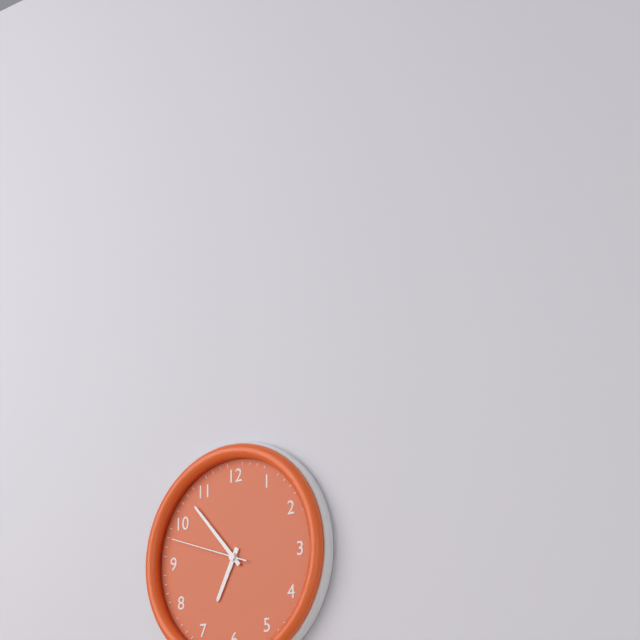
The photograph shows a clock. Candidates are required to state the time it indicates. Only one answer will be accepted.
6:53:48
